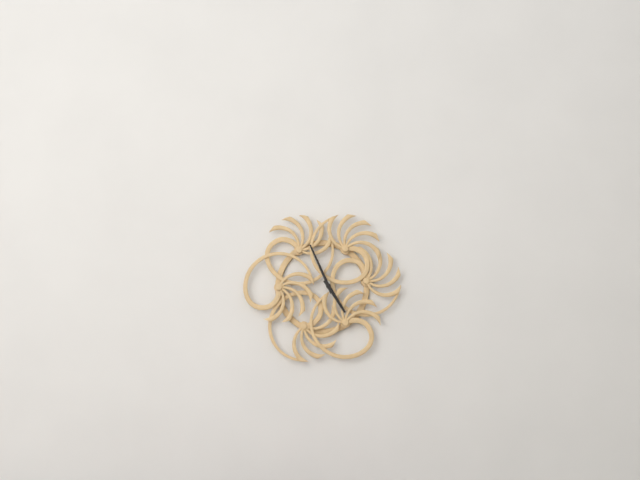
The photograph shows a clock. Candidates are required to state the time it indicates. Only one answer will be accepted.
4:56
